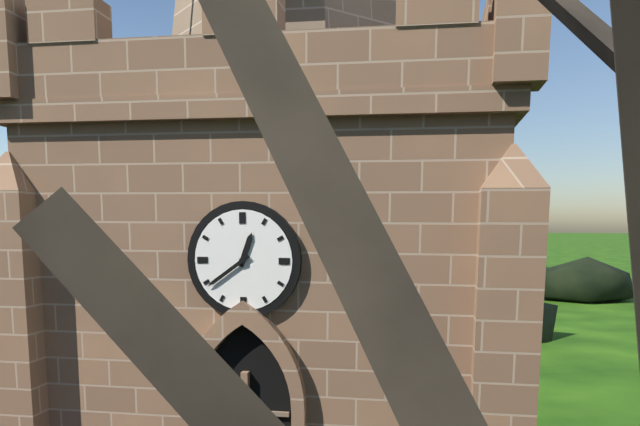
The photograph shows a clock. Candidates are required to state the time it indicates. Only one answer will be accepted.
12:39
